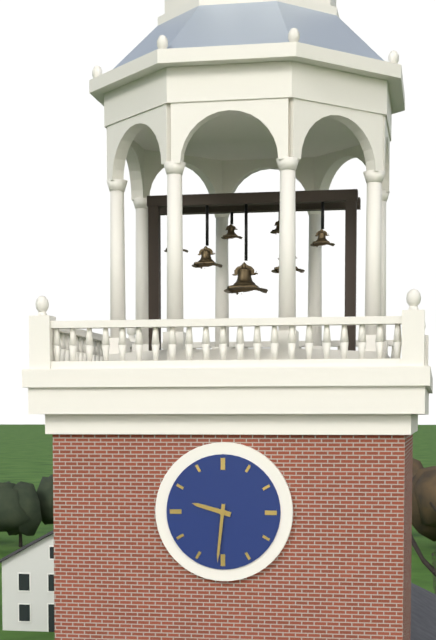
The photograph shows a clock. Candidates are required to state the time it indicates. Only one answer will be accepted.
9:31
